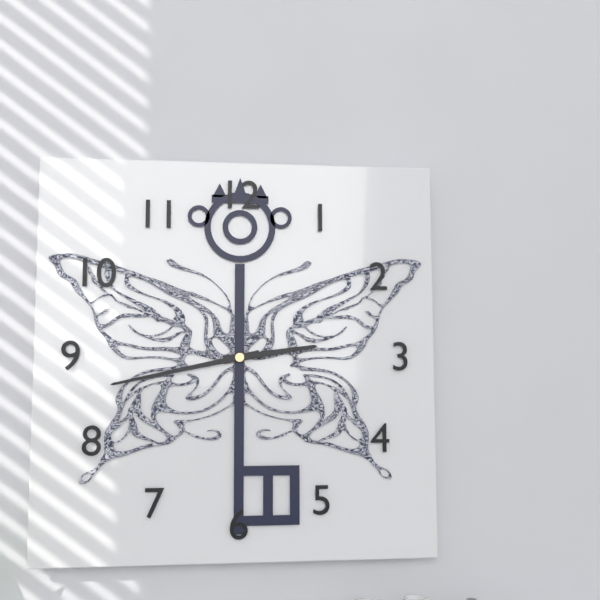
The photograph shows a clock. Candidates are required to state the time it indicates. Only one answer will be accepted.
2:43
